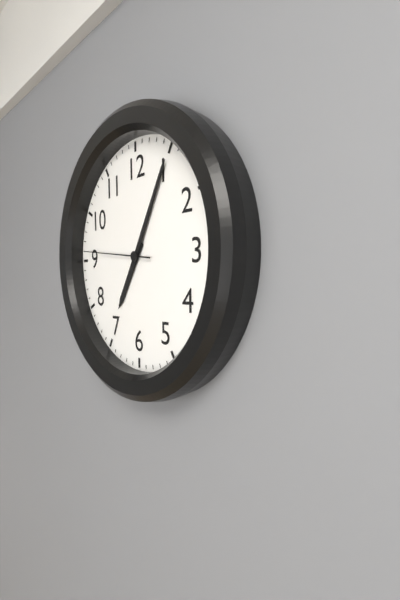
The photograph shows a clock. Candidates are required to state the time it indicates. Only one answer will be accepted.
7:05:46
